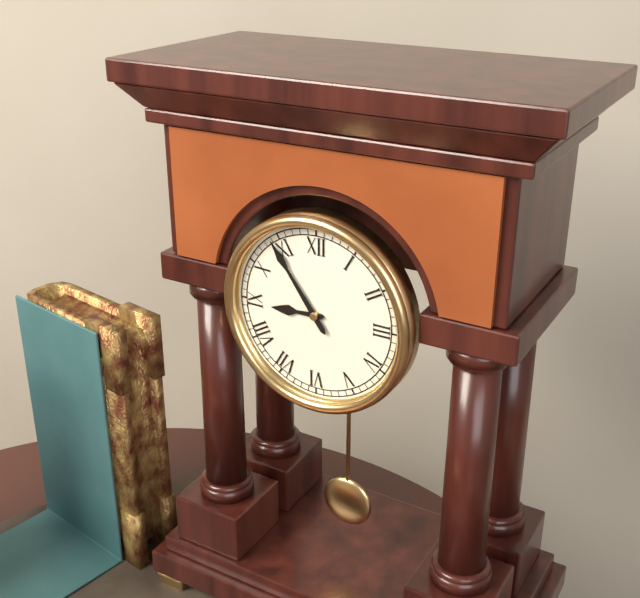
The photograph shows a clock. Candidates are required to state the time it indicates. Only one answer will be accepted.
8:54
